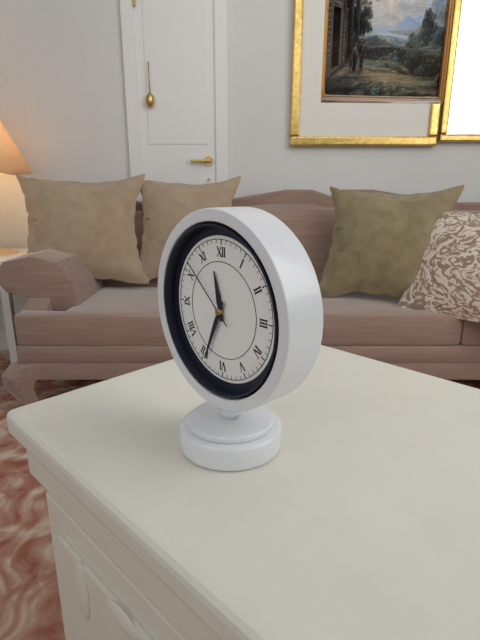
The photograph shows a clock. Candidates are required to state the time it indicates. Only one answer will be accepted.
11:34:52
